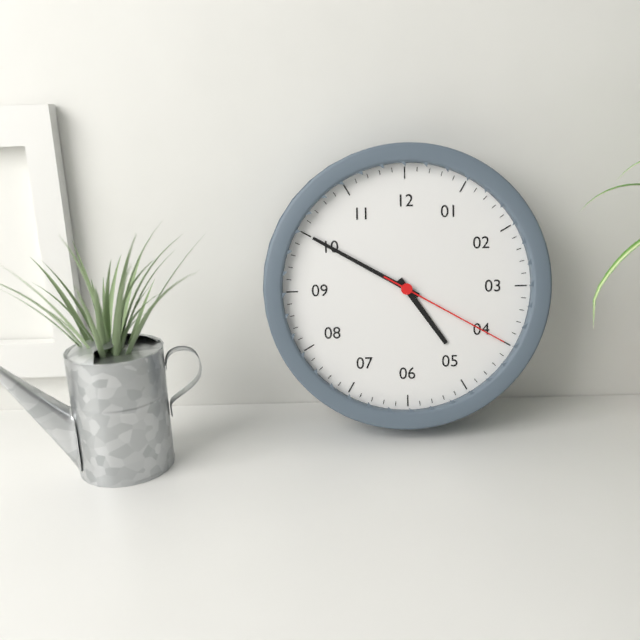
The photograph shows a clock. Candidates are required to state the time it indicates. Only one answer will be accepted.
4:50:20
